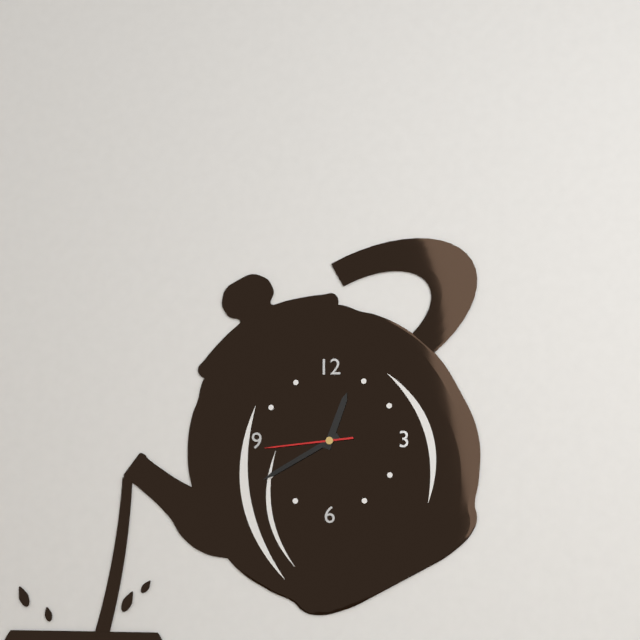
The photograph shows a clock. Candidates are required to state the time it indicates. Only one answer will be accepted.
12:40:44
